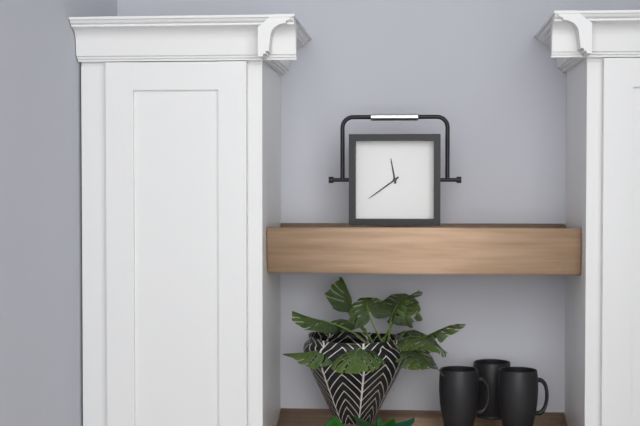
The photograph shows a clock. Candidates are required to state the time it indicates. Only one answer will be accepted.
11:39
